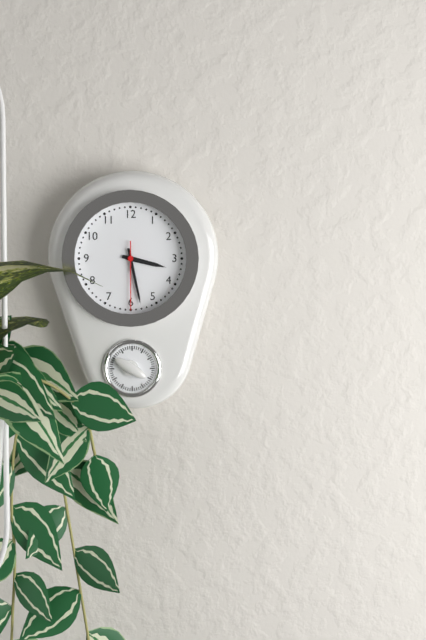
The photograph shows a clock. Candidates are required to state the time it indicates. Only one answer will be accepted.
3:28:30
